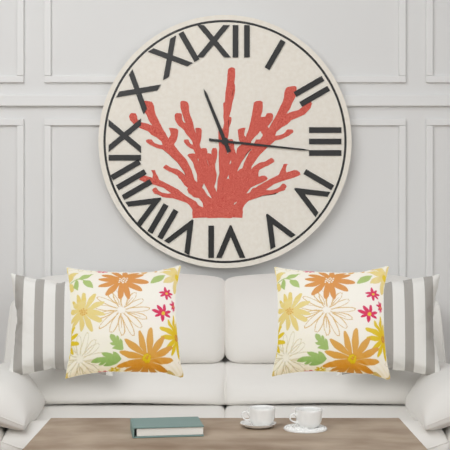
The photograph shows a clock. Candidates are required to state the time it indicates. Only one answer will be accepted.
11:16
